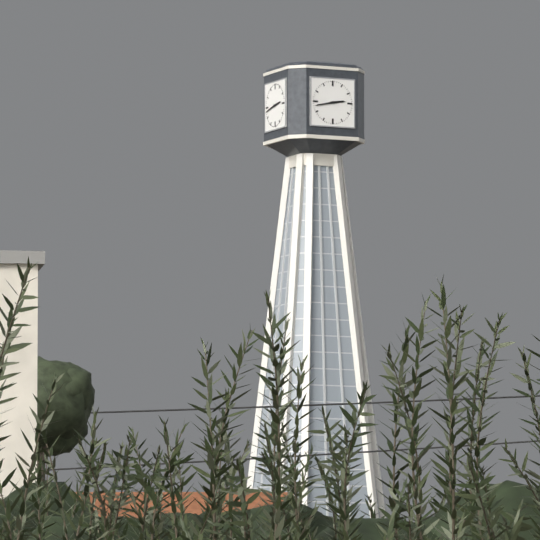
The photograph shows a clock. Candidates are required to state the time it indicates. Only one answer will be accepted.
2:43
